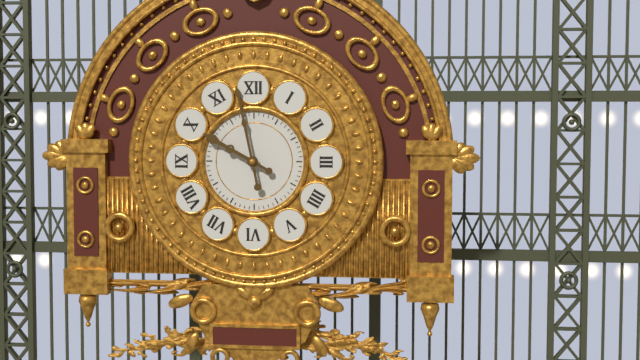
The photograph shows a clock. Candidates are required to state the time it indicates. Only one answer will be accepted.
9:58
